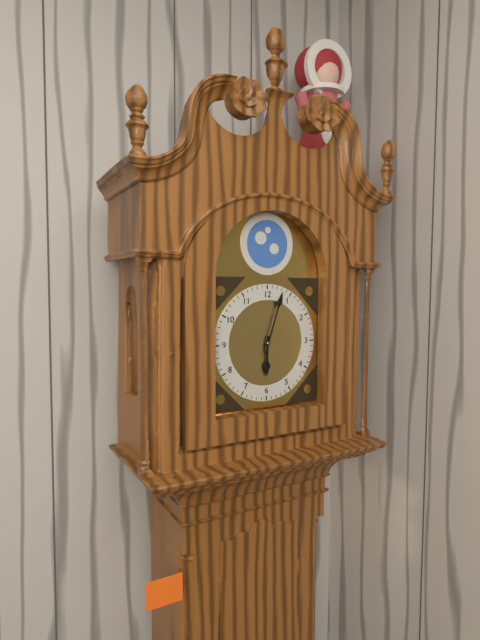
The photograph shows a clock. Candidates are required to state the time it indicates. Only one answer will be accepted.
6:03
